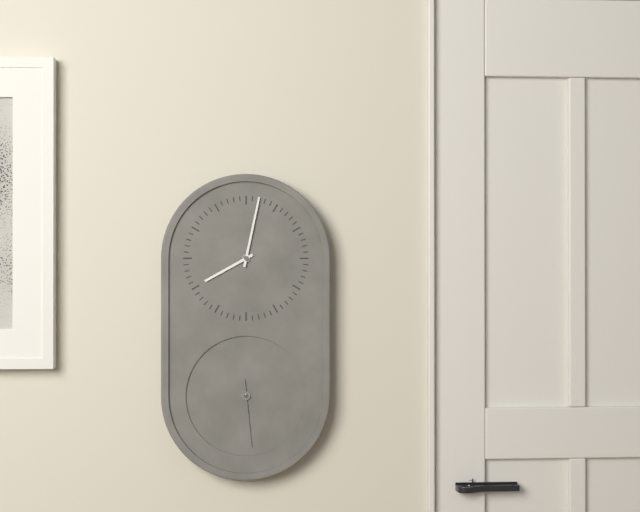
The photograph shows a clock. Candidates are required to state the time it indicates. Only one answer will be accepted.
8:02:29
